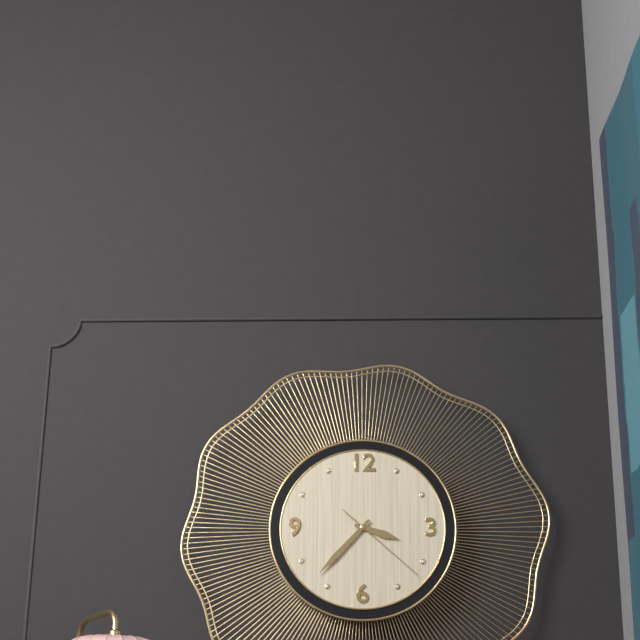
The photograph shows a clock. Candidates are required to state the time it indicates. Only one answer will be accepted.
3:37:22
